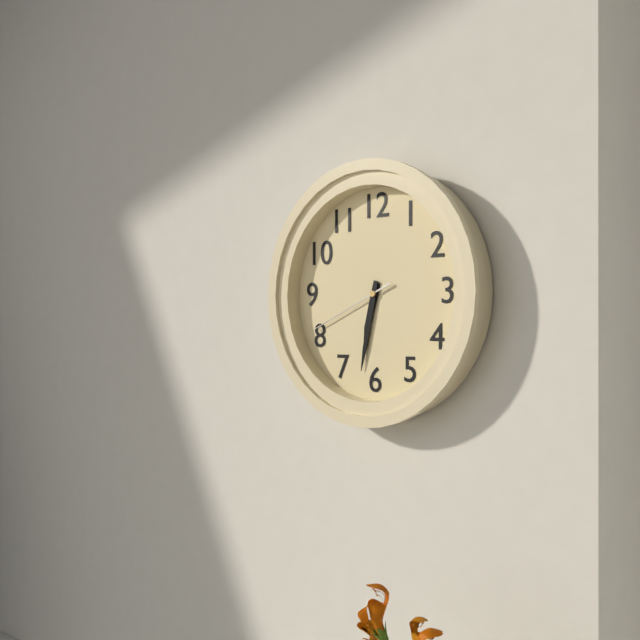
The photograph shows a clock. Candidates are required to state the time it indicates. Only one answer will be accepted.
6:32:41
